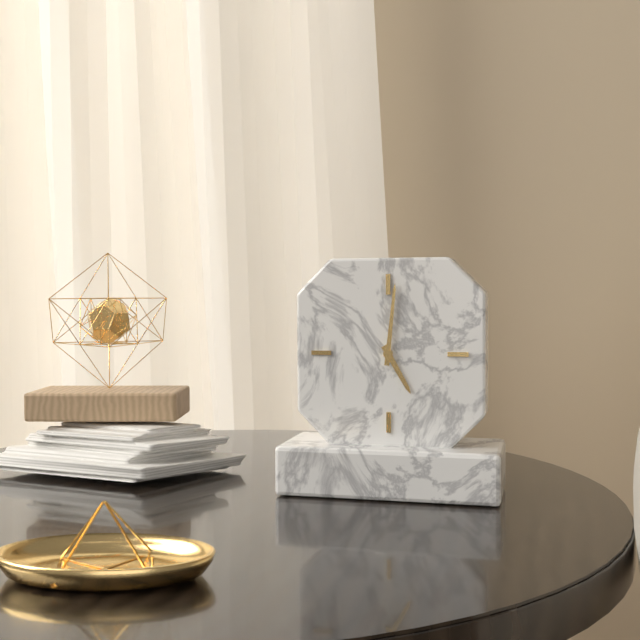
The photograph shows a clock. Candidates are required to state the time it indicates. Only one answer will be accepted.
5:01
